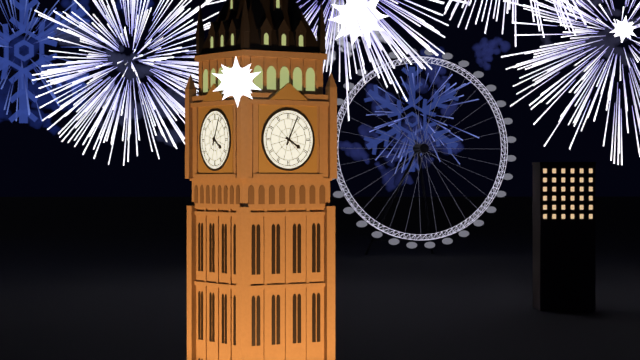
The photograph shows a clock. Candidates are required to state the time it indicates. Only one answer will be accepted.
4:04
